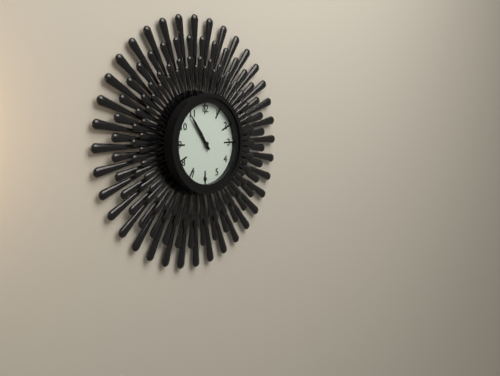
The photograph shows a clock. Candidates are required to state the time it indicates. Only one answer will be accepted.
10:54
